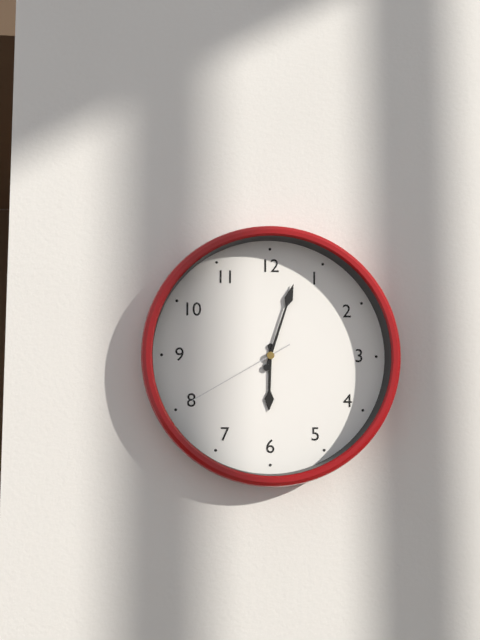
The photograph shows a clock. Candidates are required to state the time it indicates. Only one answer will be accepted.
6:03:40
